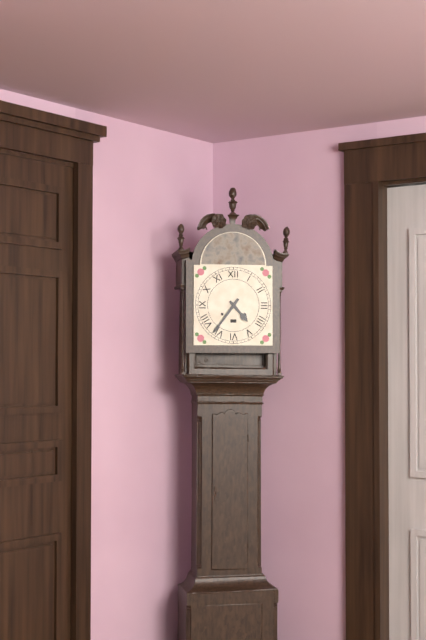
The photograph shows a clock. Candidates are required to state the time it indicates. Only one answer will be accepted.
4:36
